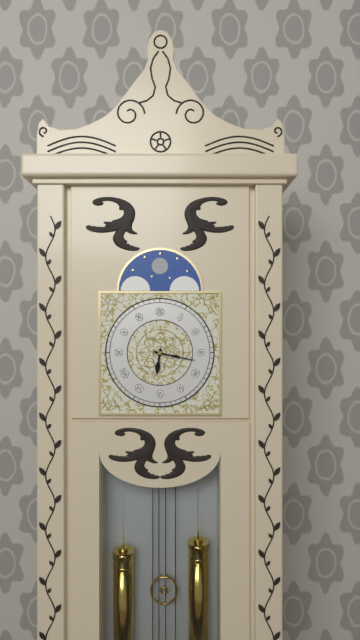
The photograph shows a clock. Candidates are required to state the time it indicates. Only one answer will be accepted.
6:17
